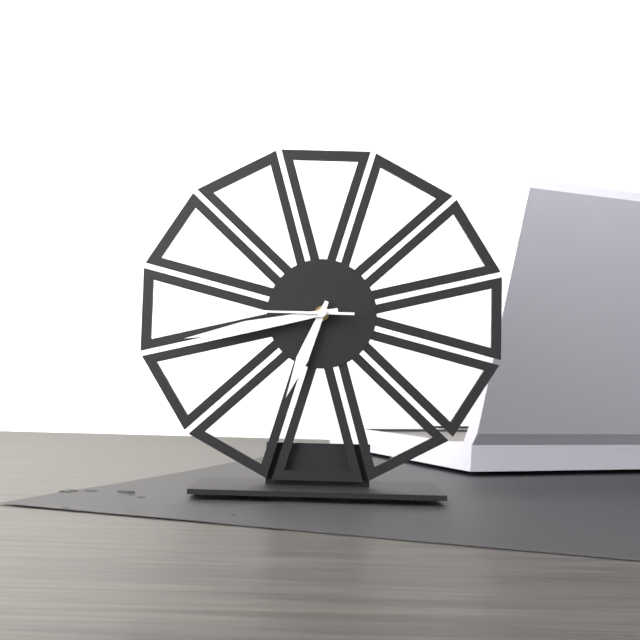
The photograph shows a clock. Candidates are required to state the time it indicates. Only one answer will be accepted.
6:43:45
